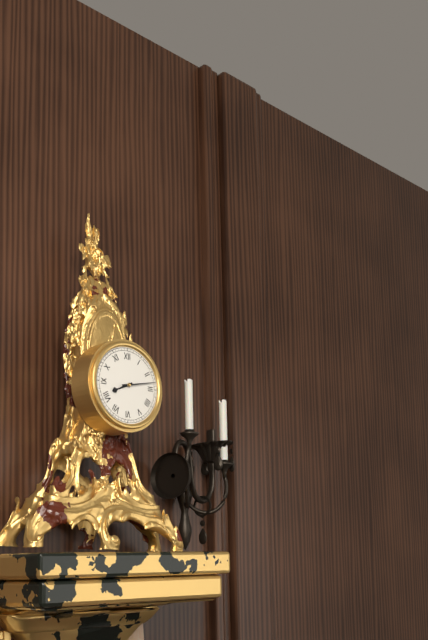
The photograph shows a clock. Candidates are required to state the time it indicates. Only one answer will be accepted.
8:13
